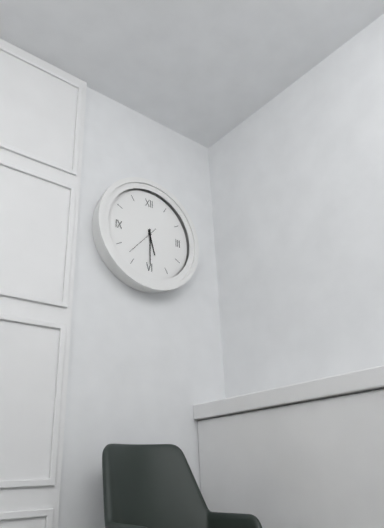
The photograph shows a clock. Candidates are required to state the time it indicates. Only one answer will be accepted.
5:30
